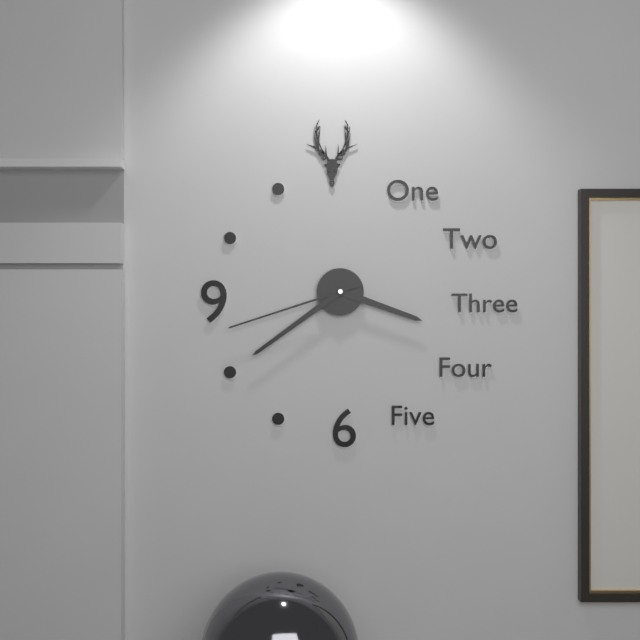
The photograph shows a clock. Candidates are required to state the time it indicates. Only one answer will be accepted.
3:39:42
